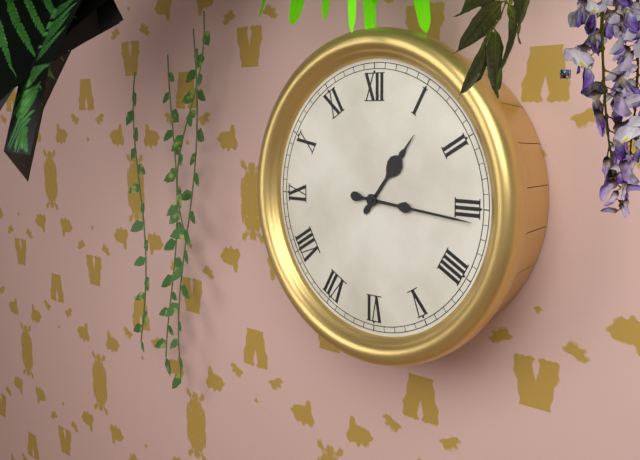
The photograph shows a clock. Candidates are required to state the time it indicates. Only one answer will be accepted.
1:16
